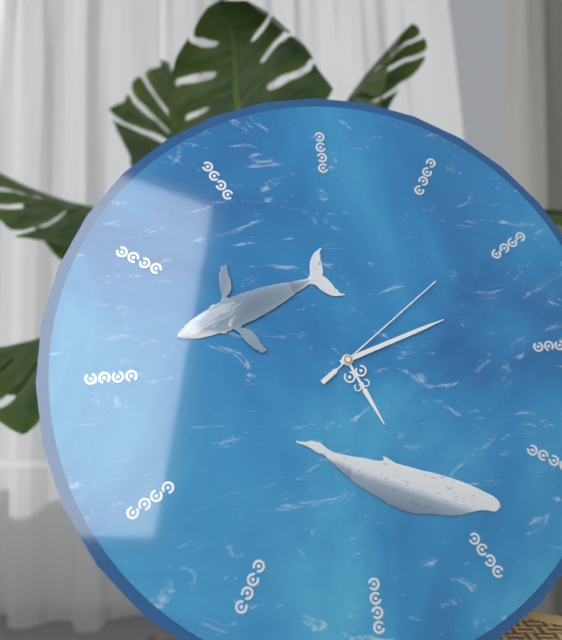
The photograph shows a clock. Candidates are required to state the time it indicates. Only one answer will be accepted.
5:12:09
